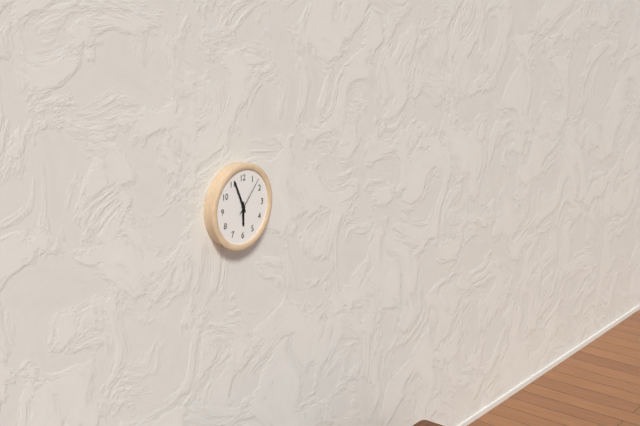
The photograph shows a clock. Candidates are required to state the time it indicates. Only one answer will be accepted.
5:56
